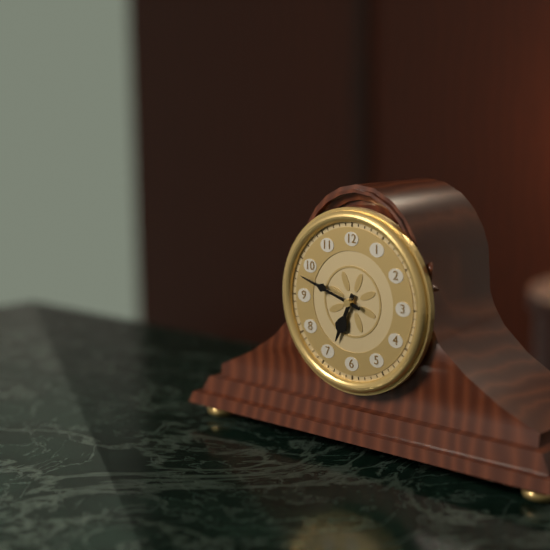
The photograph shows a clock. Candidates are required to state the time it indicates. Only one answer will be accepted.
6:48
